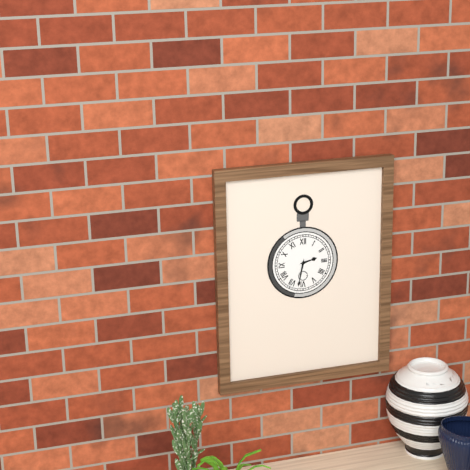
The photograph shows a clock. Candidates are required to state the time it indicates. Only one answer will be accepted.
2:32
